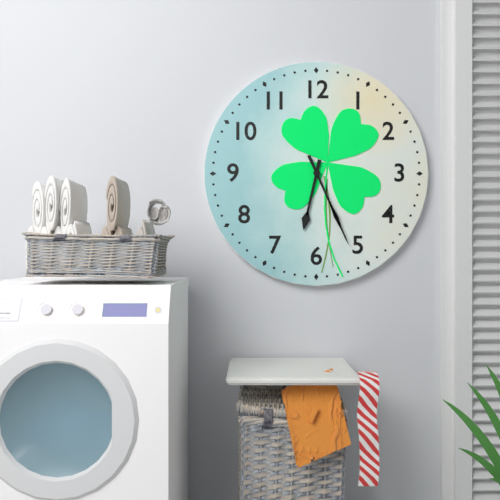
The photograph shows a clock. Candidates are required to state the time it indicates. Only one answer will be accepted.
6:26
